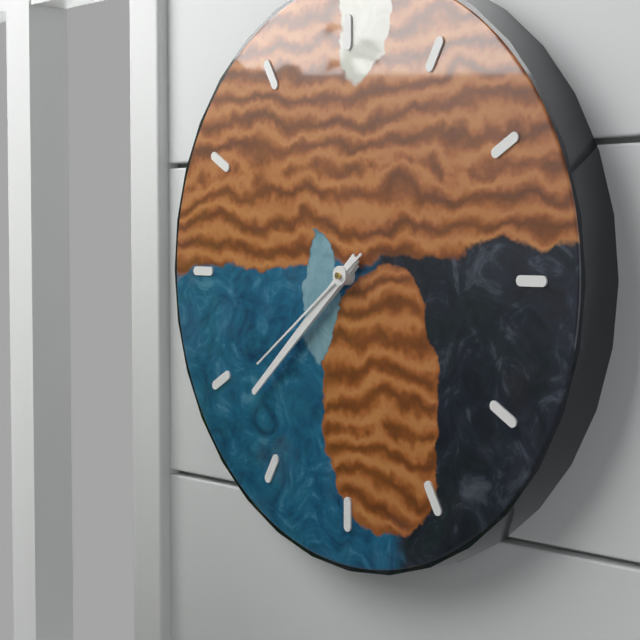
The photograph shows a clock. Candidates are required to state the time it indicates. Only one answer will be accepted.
7:38:39
